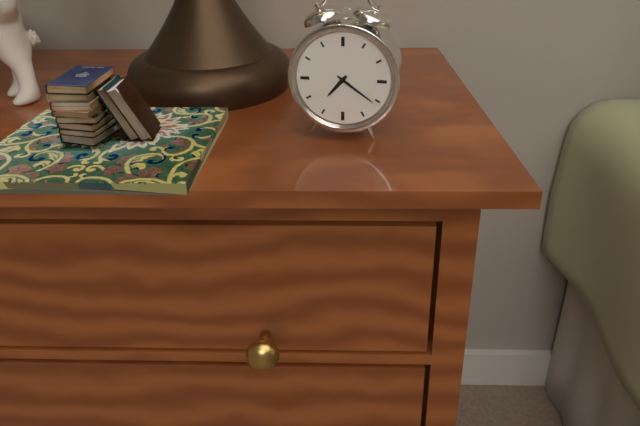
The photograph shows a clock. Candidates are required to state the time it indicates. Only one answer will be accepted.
7:21
